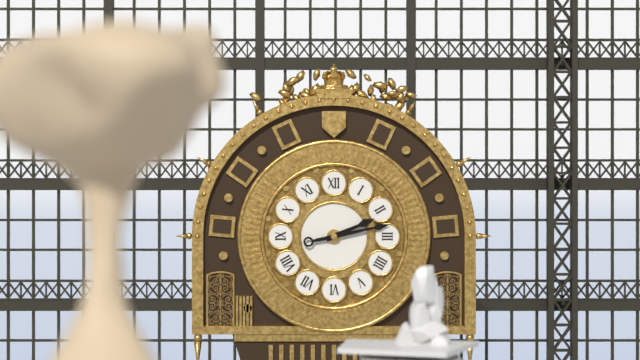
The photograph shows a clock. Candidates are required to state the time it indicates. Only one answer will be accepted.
2:13
